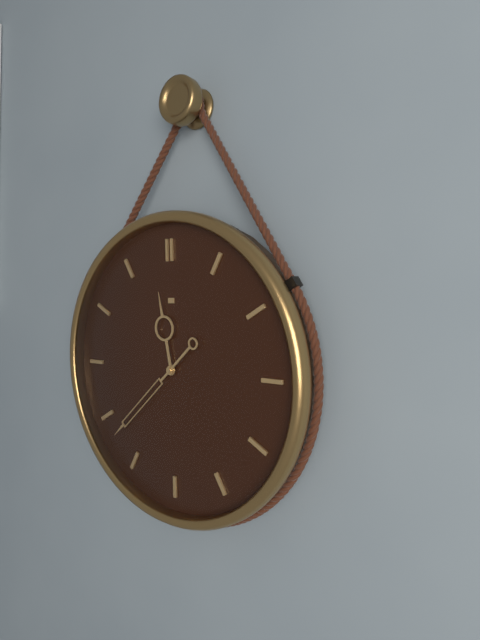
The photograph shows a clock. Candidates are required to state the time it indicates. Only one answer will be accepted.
11:38
